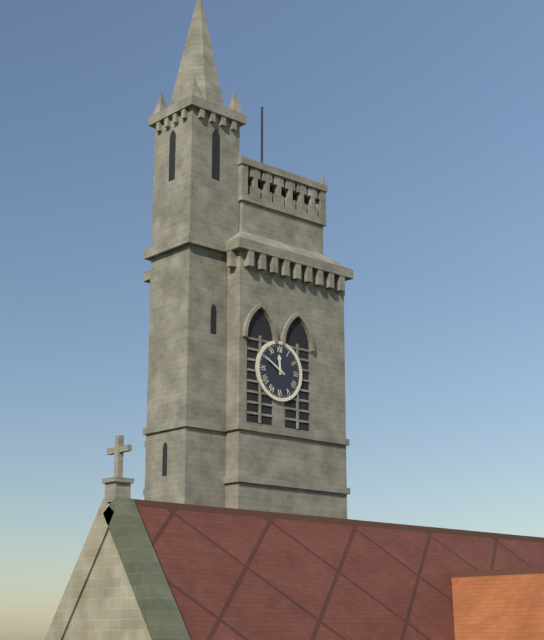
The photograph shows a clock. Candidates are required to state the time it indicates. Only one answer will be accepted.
11:50
